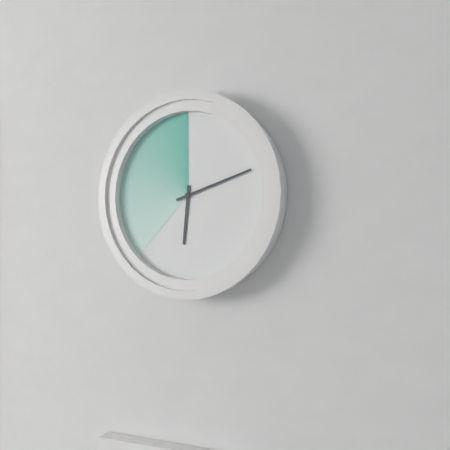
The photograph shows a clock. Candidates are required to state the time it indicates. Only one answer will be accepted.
6:12
